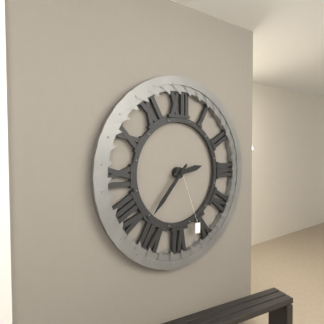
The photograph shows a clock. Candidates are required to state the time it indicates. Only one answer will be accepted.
2:37
